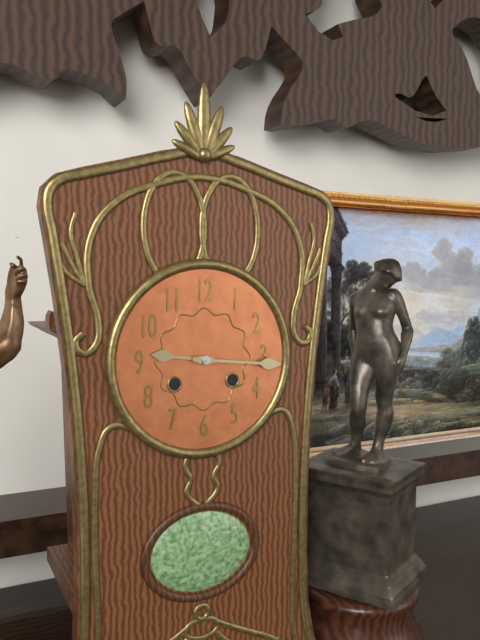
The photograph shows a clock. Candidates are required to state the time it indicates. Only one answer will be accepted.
9:16
